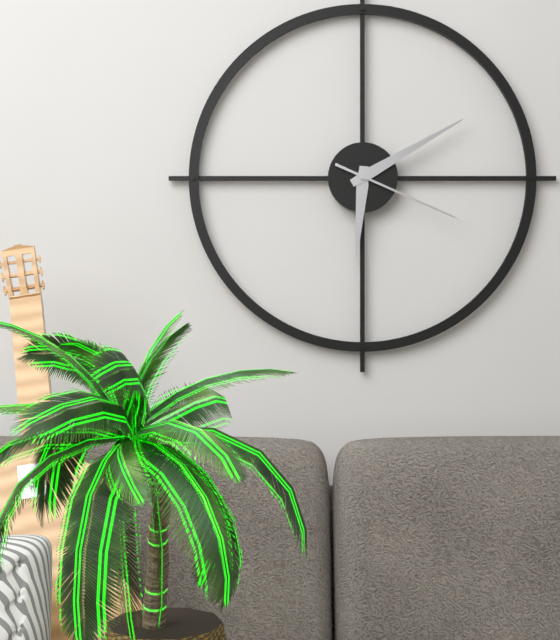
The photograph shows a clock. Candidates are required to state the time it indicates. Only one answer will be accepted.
6:10:19
